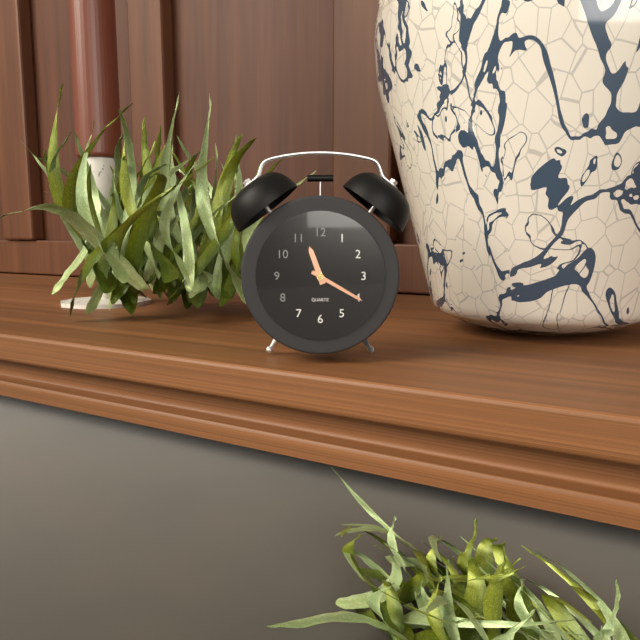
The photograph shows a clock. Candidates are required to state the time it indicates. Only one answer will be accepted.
11:20
